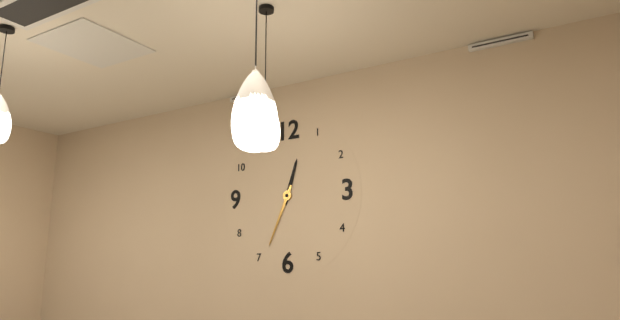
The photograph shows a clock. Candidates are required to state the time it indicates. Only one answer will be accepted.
12:34
